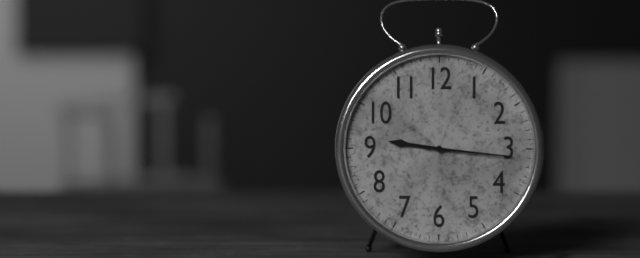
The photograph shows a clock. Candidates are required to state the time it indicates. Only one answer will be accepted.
9:16
